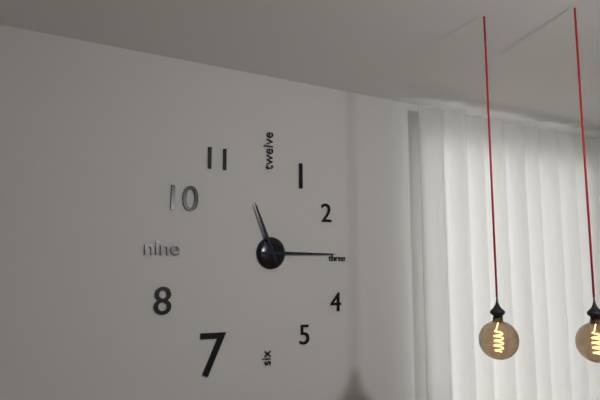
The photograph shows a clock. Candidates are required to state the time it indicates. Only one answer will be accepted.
11:15
